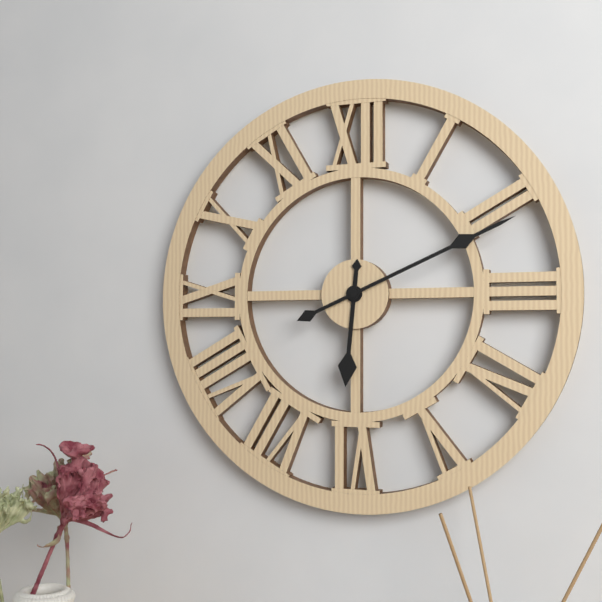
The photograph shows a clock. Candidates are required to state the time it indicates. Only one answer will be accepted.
6:11
